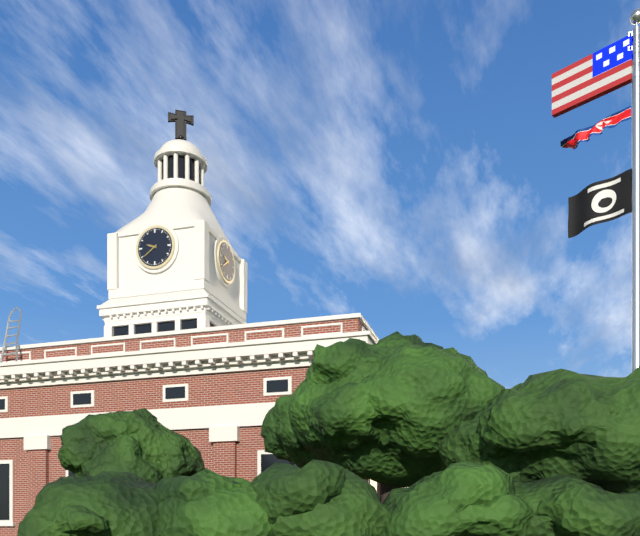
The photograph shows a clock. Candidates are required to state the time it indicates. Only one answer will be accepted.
9:39
